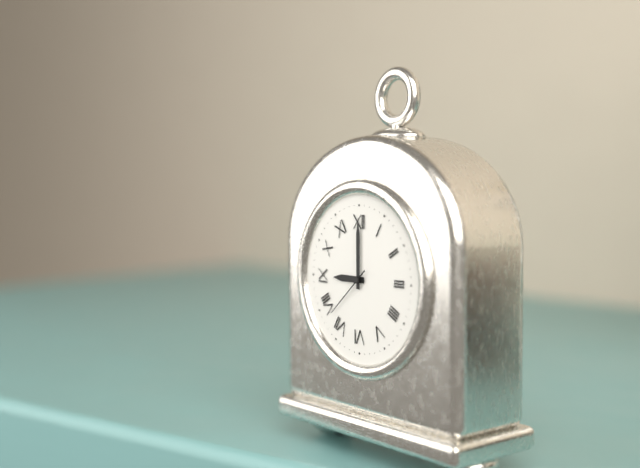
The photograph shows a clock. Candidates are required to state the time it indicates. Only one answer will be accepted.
9:00:38
